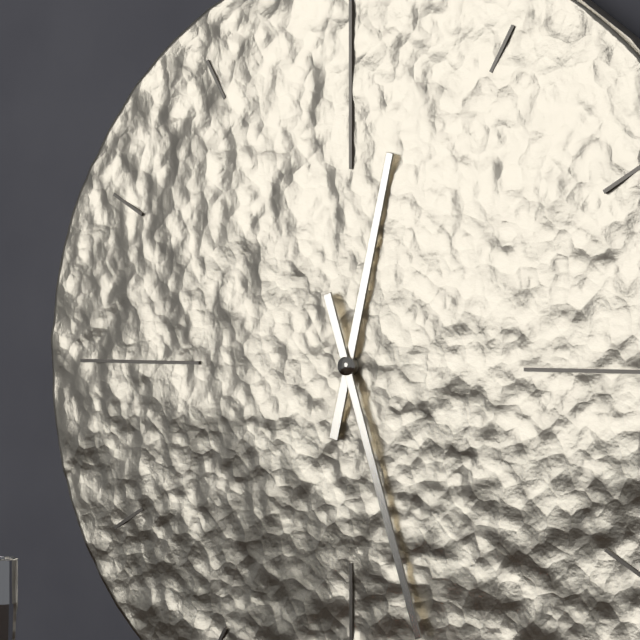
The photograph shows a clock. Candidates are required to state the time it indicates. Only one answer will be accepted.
12:27
